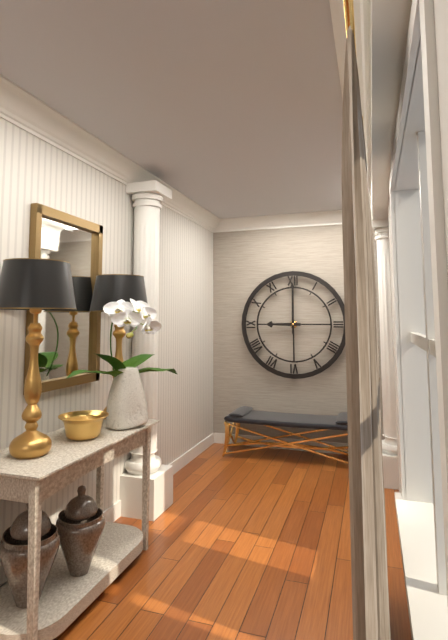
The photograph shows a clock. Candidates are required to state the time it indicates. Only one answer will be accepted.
9:00
